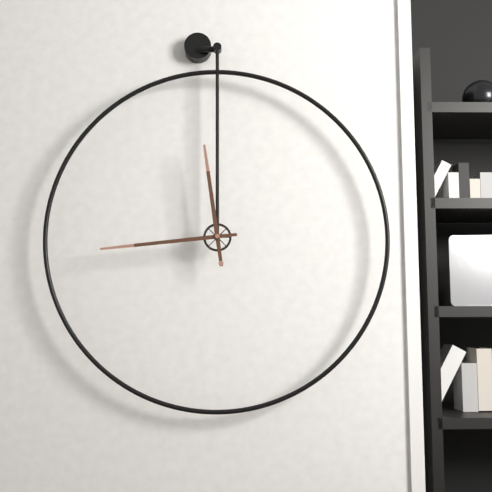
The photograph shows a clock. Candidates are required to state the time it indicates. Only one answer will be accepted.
11:44
